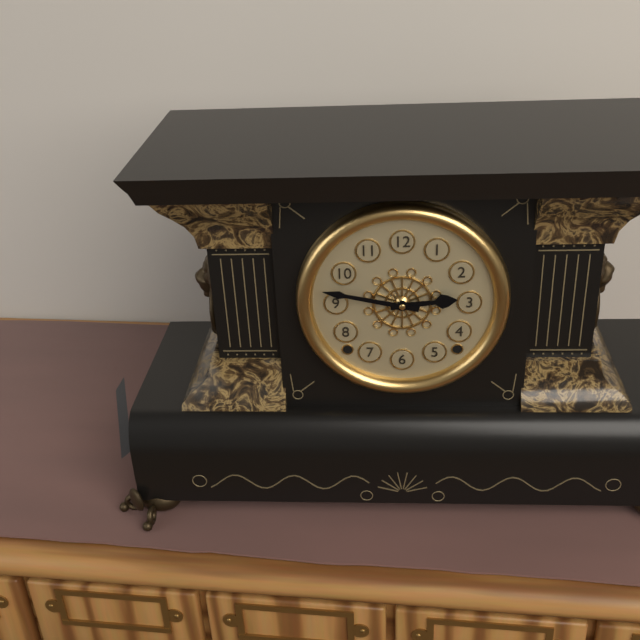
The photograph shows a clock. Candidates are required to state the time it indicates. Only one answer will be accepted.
2:47
